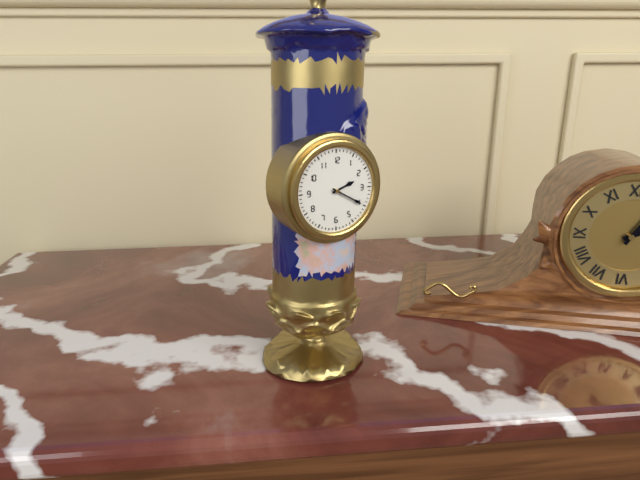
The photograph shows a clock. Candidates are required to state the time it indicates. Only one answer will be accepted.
2:20
